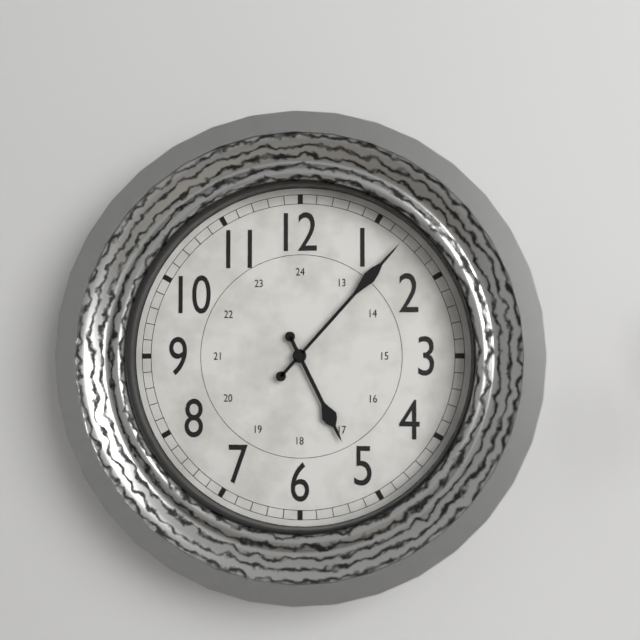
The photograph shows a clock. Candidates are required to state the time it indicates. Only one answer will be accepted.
5:07
